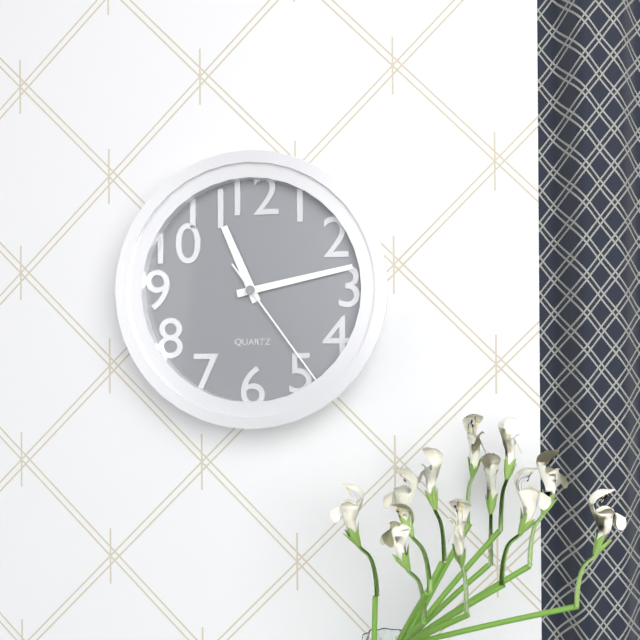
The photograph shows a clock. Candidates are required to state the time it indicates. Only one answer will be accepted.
11:13:24
